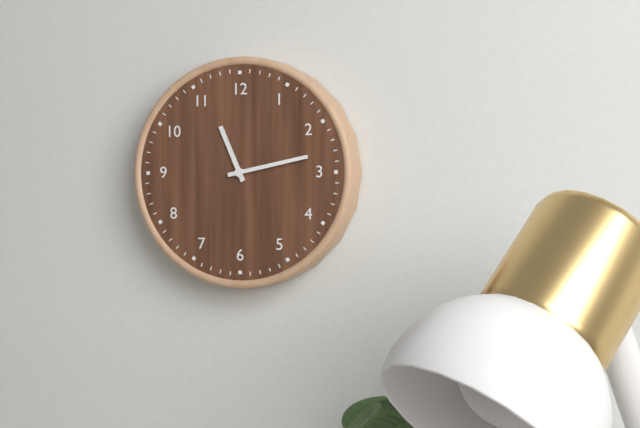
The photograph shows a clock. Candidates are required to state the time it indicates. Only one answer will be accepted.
11:13
